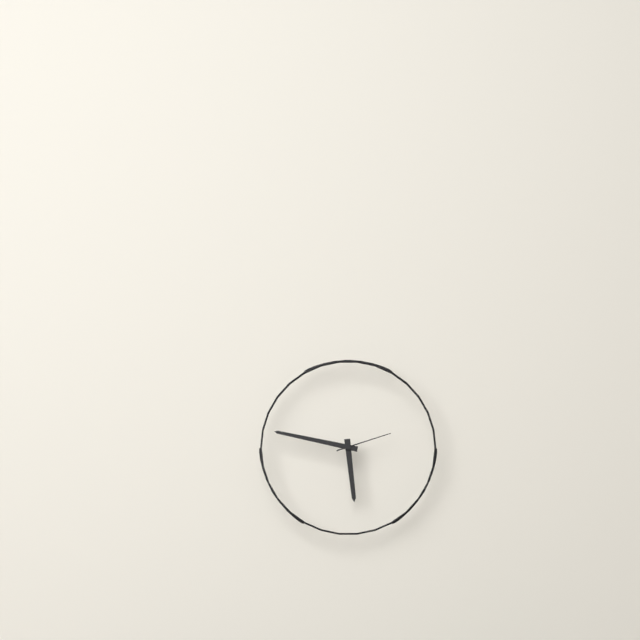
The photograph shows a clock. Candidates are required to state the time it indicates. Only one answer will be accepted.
5:47:12
